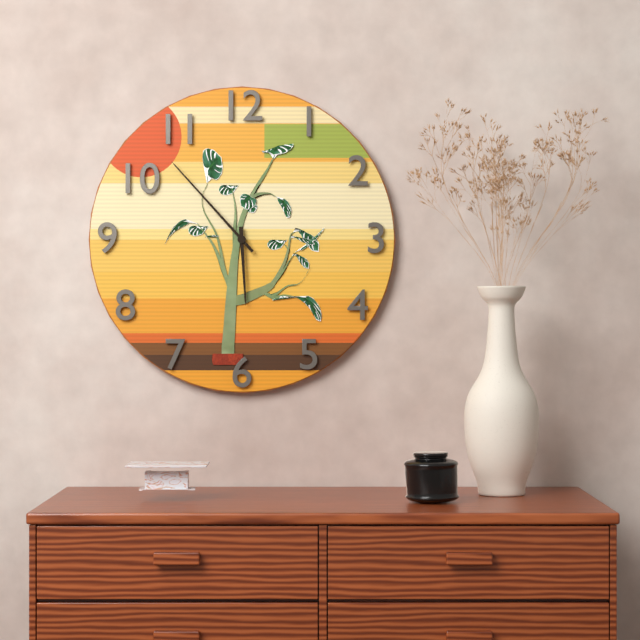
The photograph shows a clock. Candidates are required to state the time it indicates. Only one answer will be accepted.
5:53
